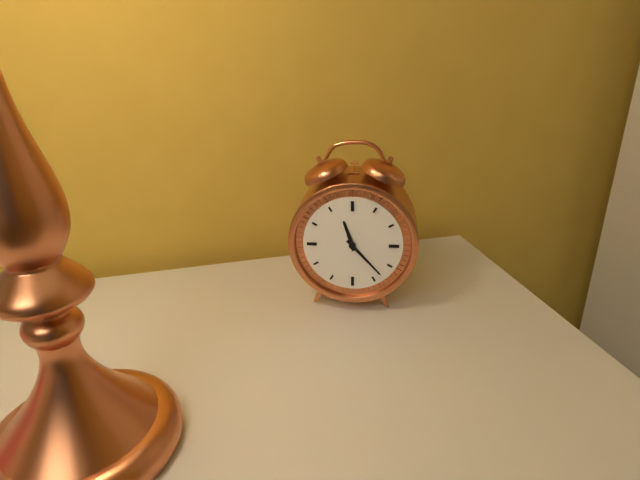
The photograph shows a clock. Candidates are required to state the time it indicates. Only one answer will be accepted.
11:23
